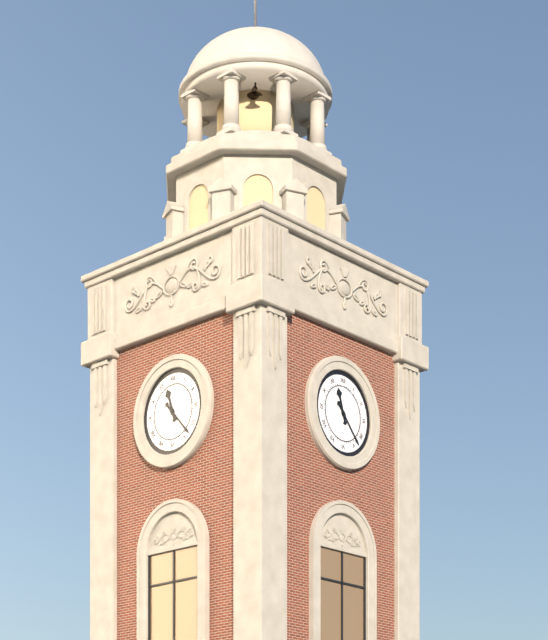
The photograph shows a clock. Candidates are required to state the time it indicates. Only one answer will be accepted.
11:23
